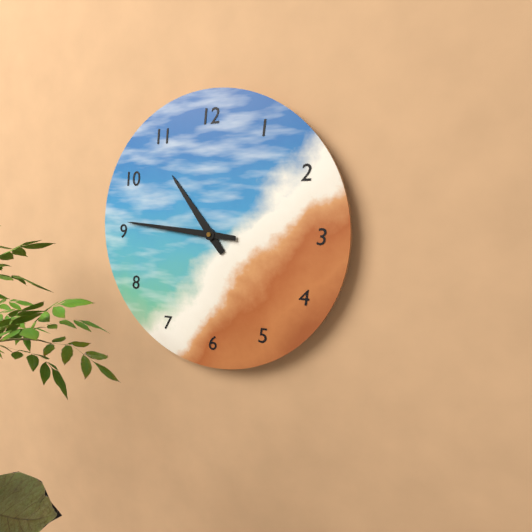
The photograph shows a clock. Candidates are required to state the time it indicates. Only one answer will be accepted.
10:46
